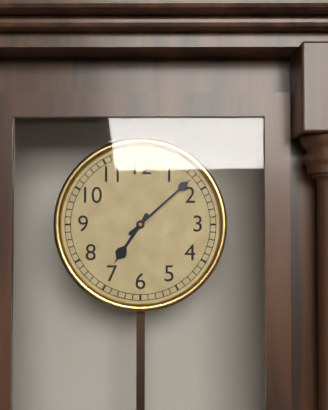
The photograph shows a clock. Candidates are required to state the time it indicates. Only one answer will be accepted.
7:08
